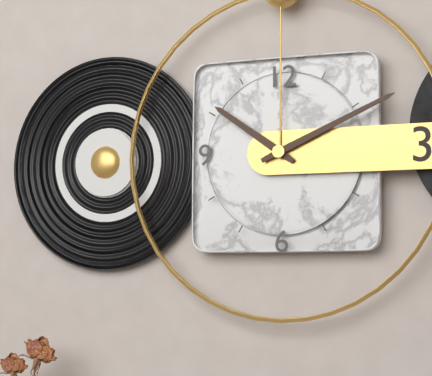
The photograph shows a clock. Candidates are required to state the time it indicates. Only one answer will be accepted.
10:11
